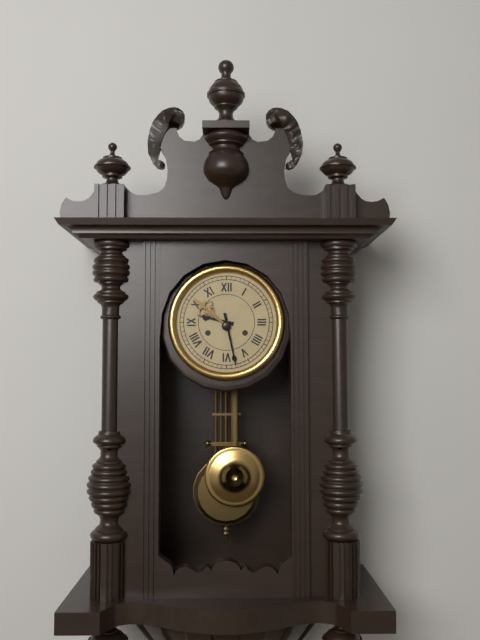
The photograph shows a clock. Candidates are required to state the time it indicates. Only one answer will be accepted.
9:28
